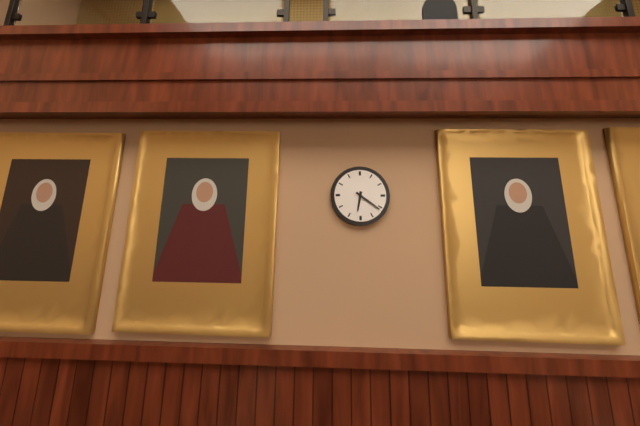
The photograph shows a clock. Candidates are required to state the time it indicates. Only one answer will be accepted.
6:21
